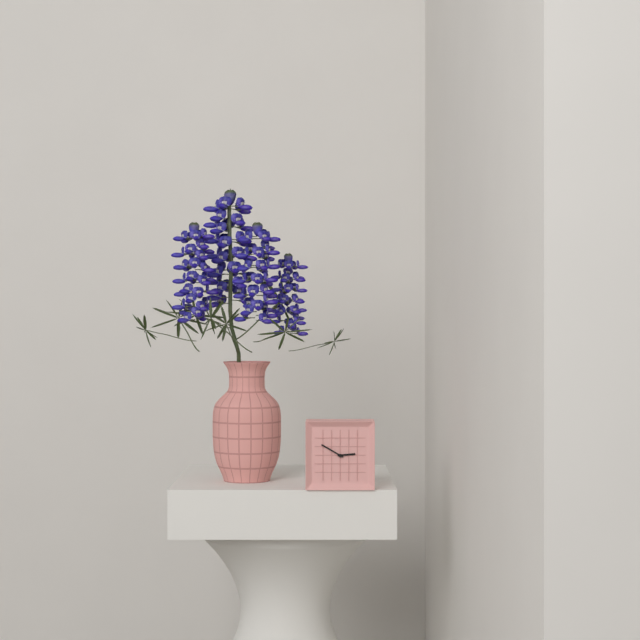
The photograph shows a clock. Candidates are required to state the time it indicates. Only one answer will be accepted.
2:50
